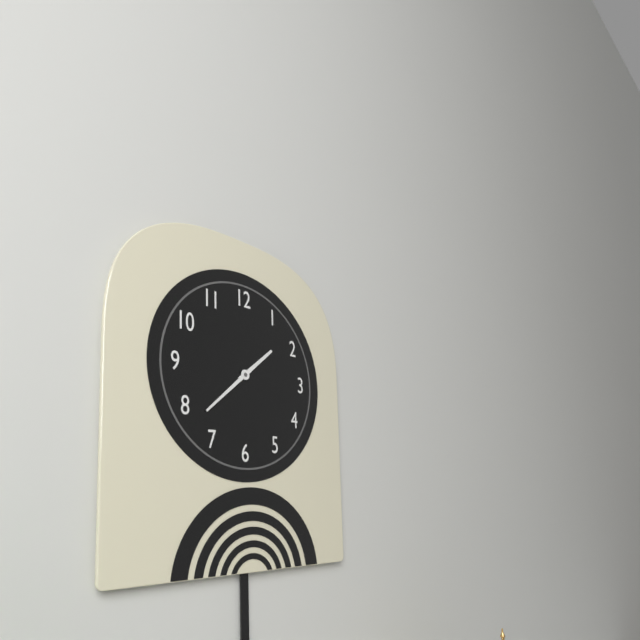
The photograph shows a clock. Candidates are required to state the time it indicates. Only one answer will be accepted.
1:38
